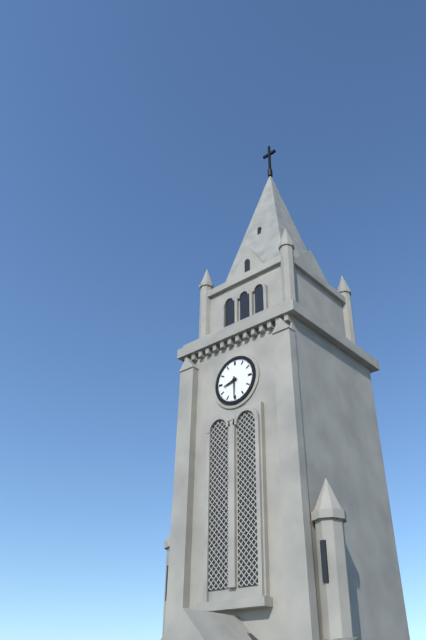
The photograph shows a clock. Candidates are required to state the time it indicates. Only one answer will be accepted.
8:30
